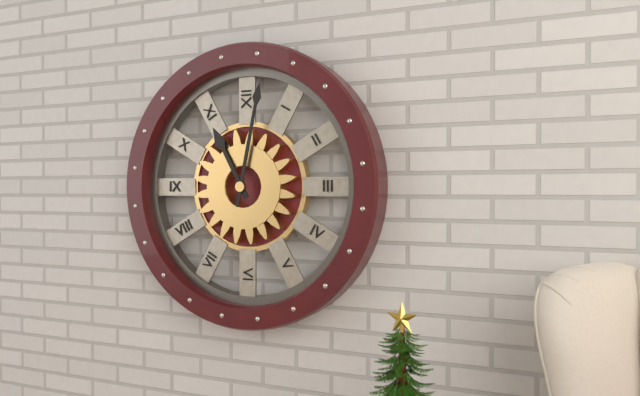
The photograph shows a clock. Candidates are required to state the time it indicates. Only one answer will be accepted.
11:02
